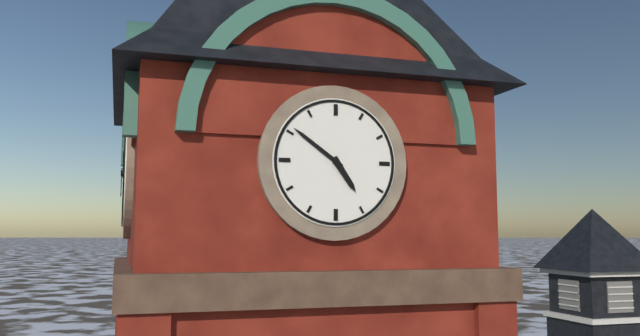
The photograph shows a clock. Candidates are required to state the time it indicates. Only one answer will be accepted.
4:51
